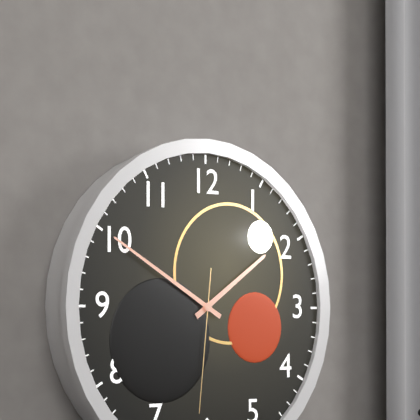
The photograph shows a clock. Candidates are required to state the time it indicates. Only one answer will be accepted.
1:50:31
